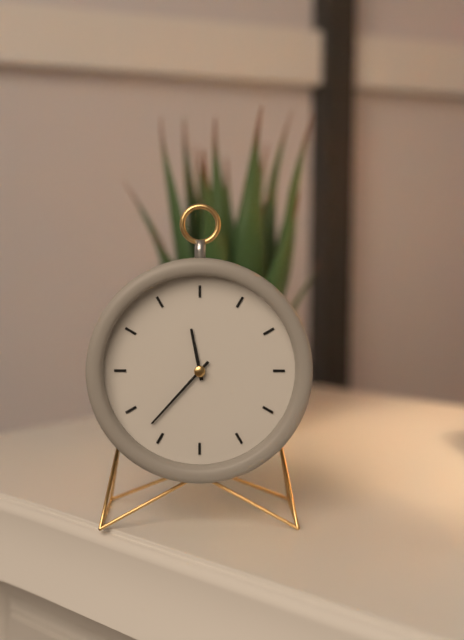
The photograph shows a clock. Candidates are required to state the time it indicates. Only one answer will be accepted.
11:37
